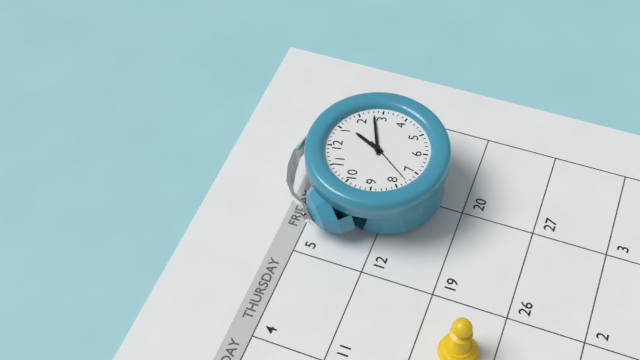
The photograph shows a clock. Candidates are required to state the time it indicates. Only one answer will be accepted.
1:13:38
